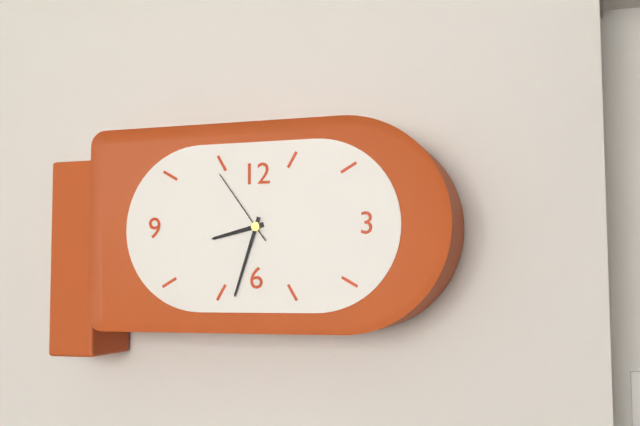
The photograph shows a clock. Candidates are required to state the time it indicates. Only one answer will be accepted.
8:33:54
